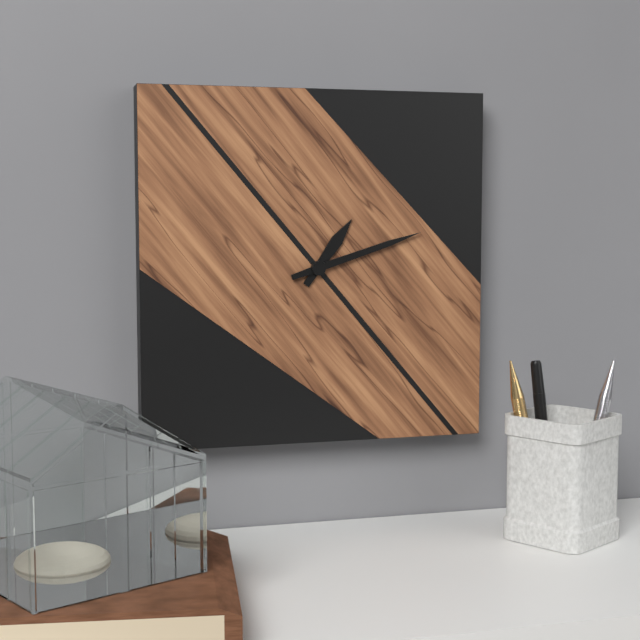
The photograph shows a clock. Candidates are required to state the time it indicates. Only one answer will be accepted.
1:12
